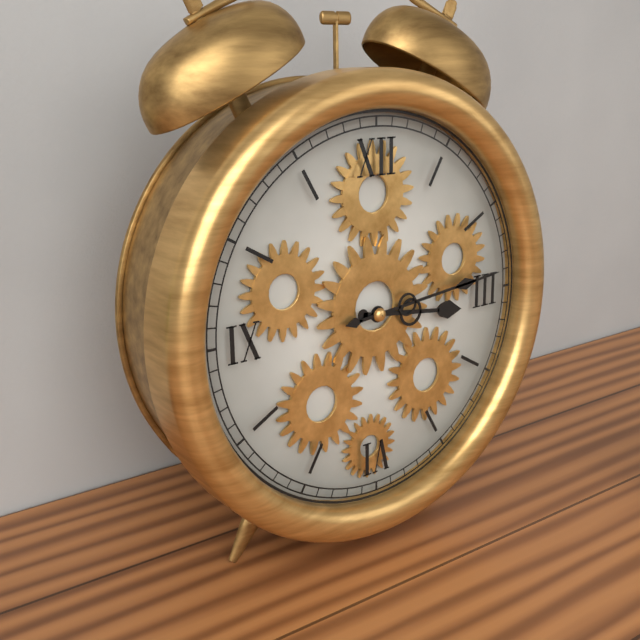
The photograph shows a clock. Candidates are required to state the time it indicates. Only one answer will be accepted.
3:14
